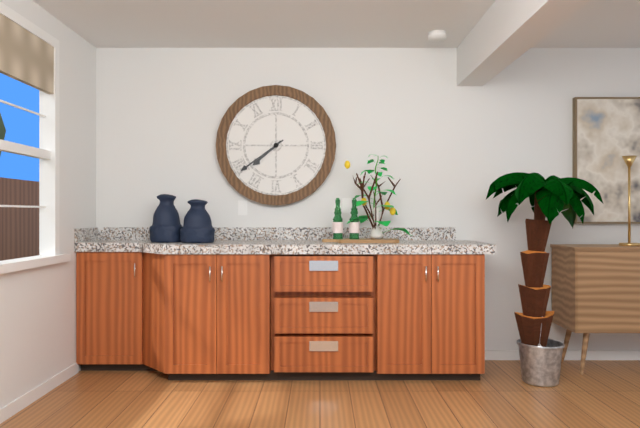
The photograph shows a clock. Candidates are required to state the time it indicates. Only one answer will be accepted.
7:39
